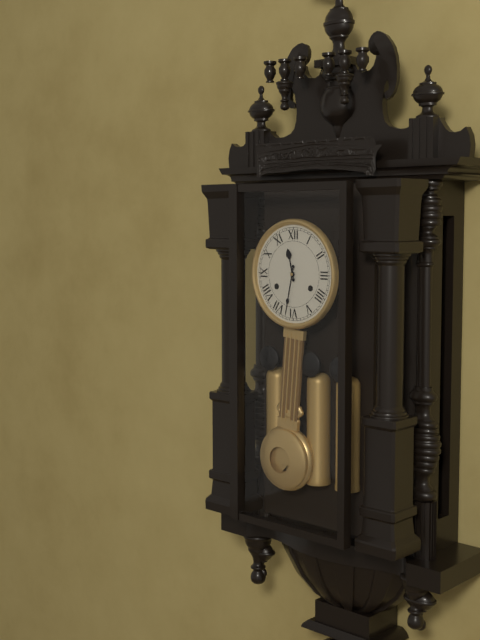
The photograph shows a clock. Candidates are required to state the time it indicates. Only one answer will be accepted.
11:32
